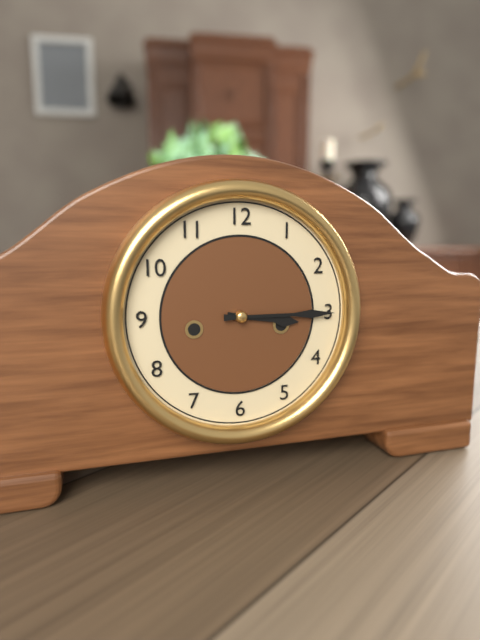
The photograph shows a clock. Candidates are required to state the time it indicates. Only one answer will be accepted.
3:15
